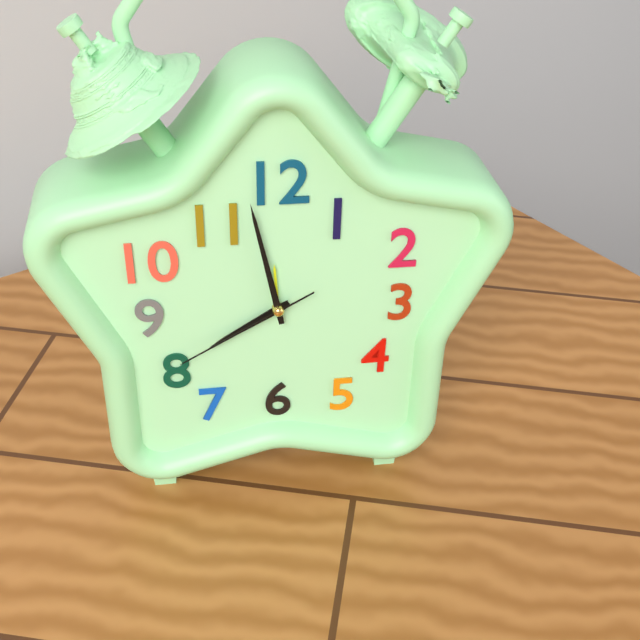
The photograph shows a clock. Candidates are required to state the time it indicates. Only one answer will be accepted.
7:58:40
